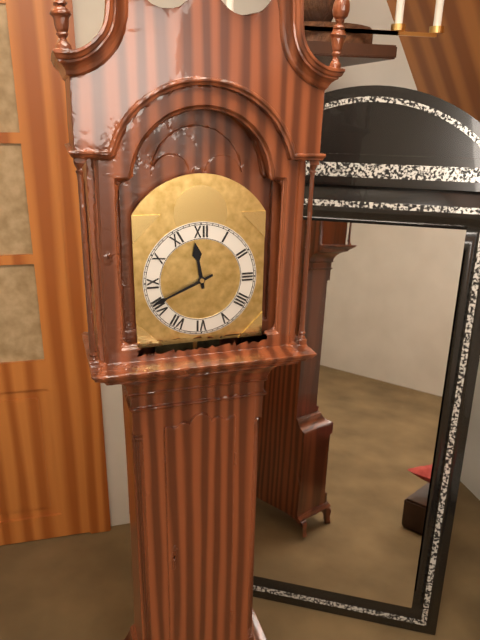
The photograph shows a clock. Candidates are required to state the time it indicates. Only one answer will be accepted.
11:41
